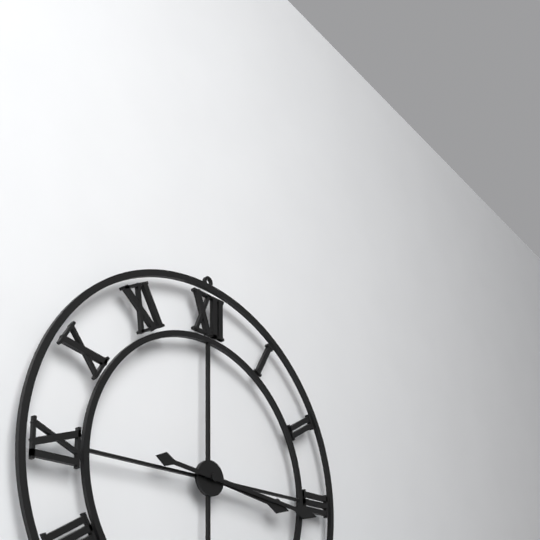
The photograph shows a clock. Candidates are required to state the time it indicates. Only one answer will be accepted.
3:16
